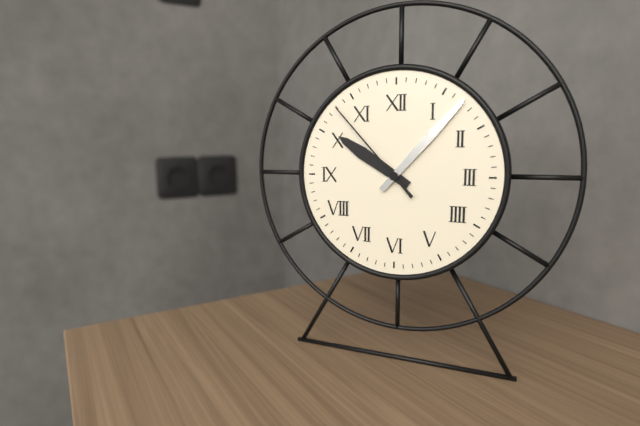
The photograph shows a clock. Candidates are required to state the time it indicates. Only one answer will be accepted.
10:07:53
